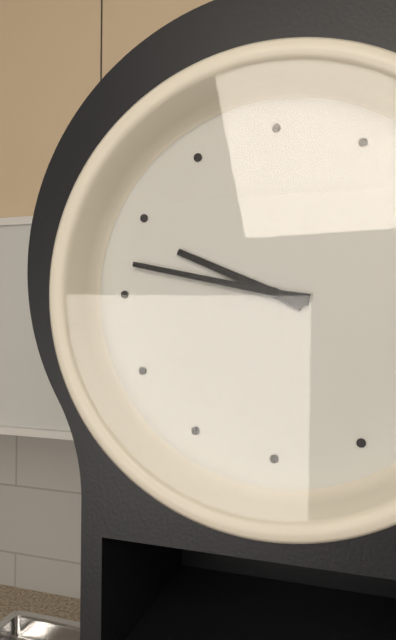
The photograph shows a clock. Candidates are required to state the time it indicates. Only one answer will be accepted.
9:47
